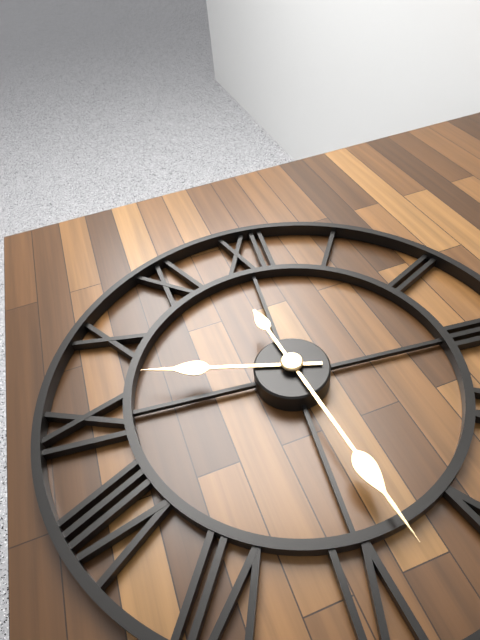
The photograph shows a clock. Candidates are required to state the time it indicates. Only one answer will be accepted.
9:28
